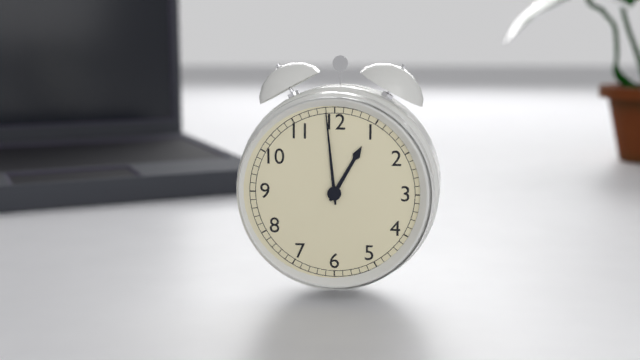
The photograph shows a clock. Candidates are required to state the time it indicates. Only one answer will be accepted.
12:59
